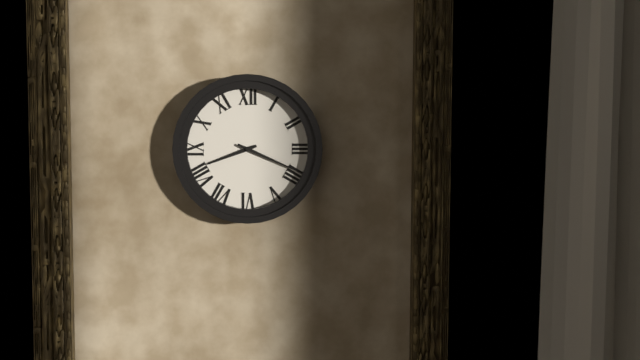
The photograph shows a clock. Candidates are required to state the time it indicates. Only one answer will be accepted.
8:19
